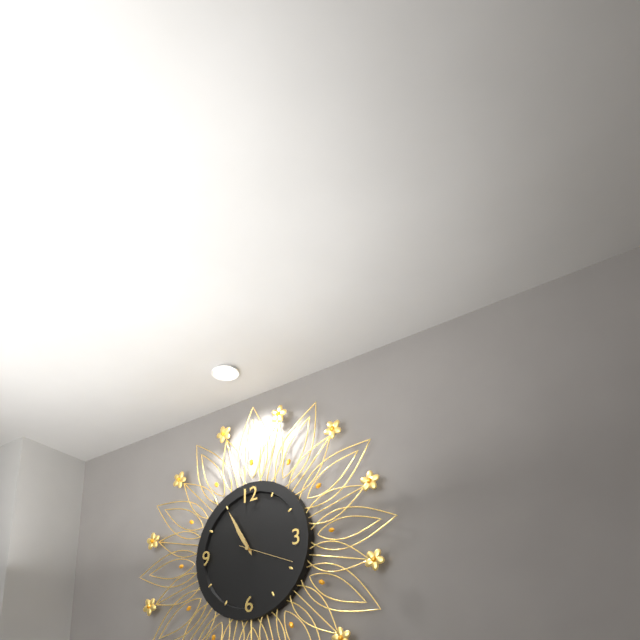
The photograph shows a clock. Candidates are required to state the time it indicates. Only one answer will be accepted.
10:55:19
